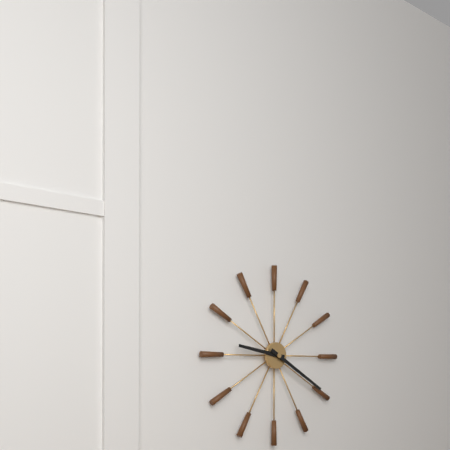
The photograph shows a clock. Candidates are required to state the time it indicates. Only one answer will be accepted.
9:20
